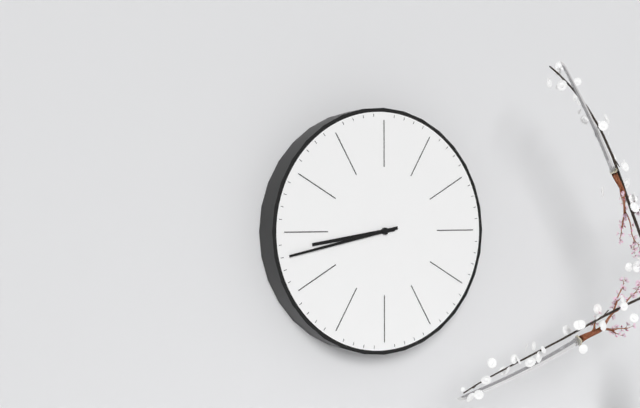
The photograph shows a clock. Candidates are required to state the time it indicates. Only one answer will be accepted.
8:43
